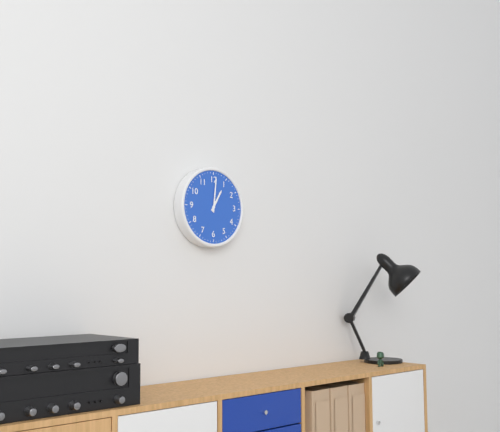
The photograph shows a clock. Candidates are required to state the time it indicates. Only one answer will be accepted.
1:01
